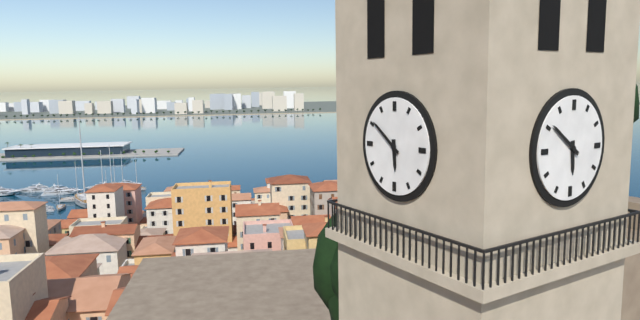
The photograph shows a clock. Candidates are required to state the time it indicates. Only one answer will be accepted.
5:51
